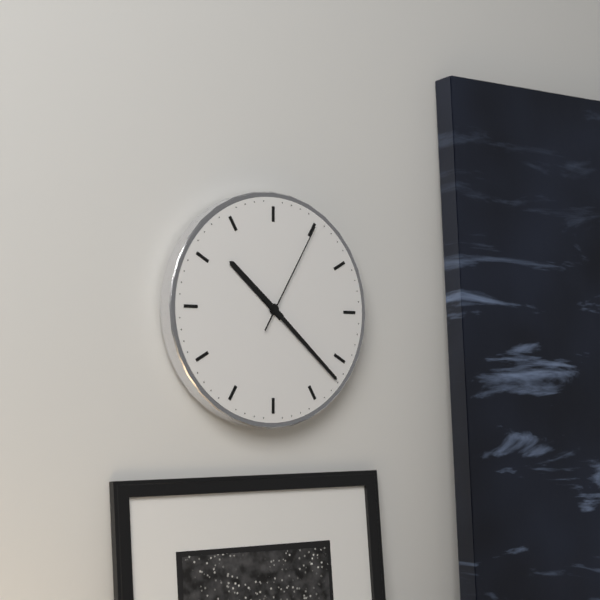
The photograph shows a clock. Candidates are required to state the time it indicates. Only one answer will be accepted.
10:22:05
